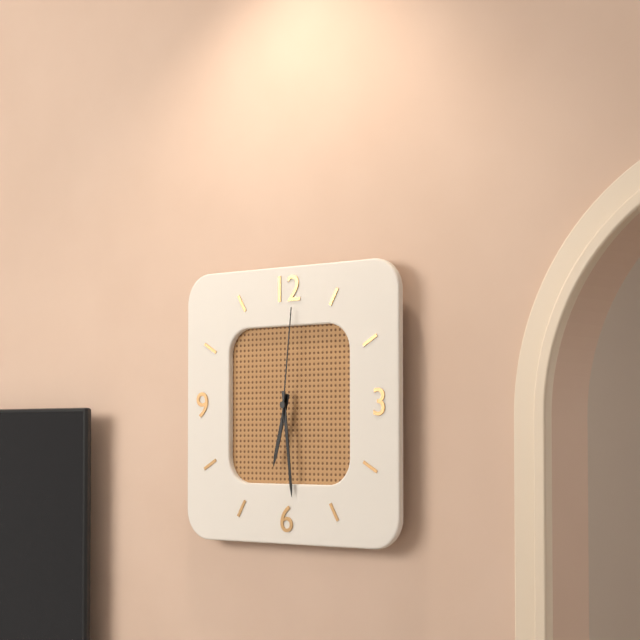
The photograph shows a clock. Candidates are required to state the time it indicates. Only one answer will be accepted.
6:29:01
